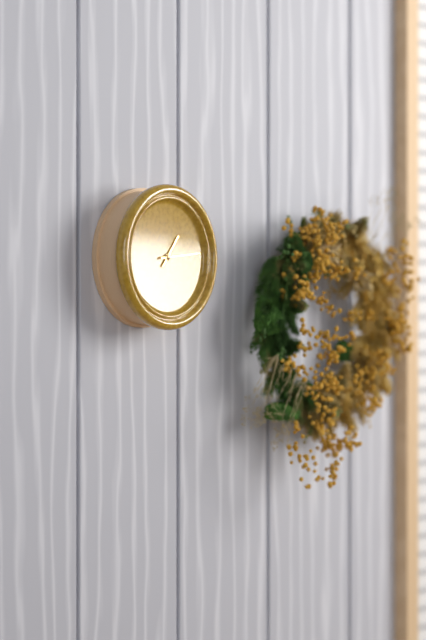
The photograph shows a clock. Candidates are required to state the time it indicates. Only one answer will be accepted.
1:14
